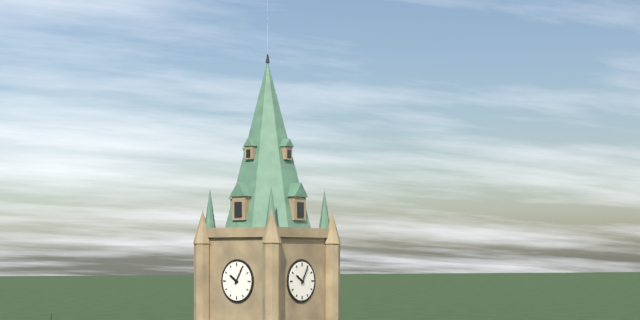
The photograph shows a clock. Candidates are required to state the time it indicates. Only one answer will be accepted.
10:05
